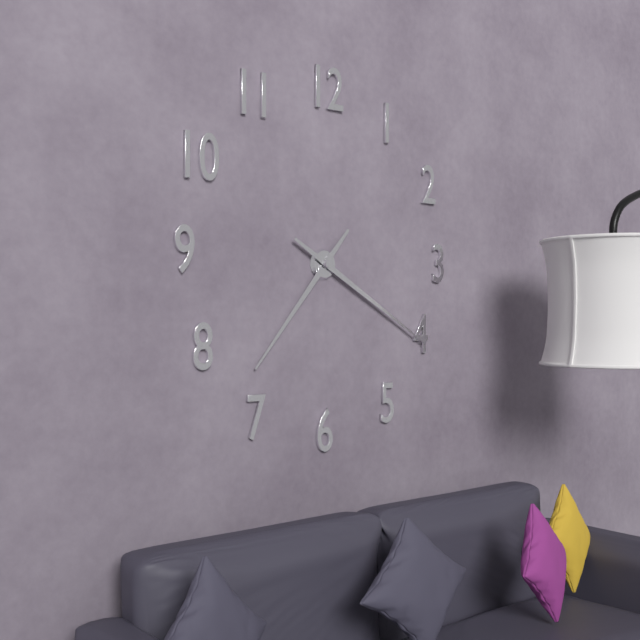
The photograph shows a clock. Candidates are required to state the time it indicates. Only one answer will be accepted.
7:20
